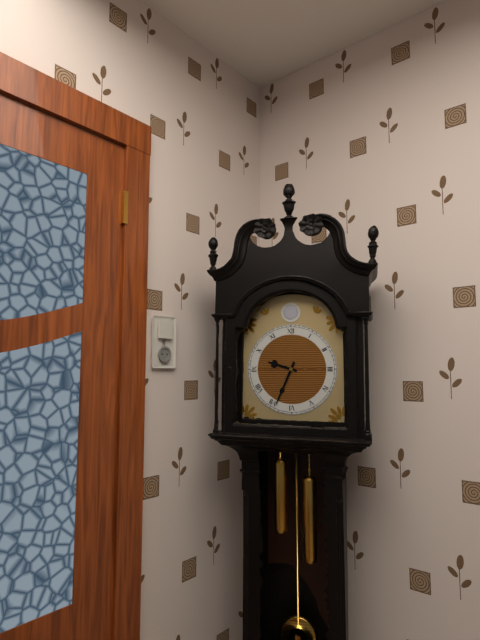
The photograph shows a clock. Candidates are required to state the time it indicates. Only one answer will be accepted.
9:34
